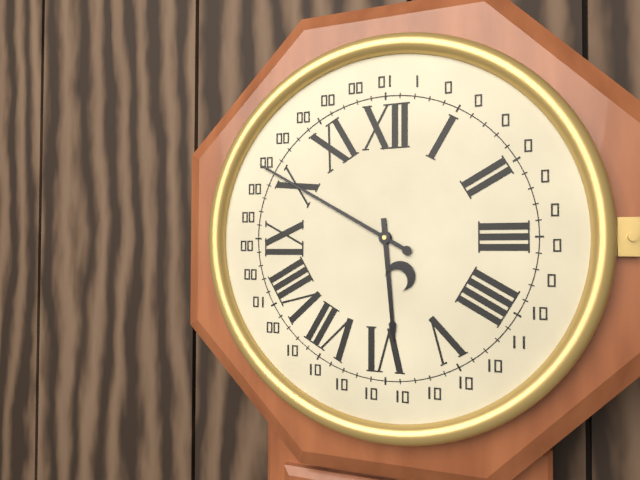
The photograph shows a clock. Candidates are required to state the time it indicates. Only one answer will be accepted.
5:50
